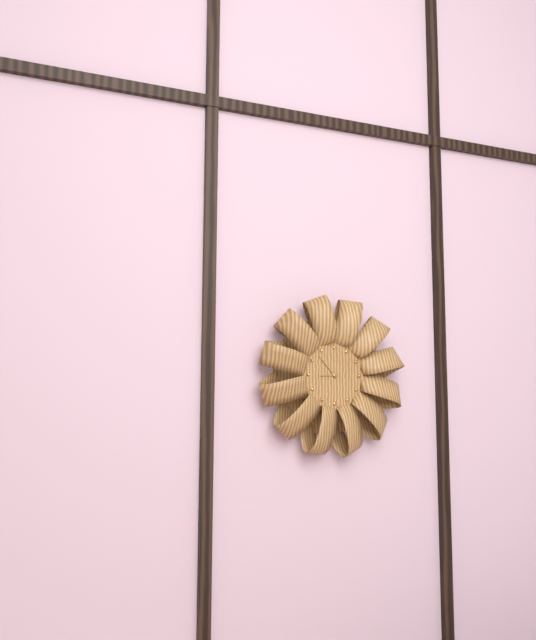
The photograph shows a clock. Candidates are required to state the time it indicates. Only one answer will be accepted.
8:53
